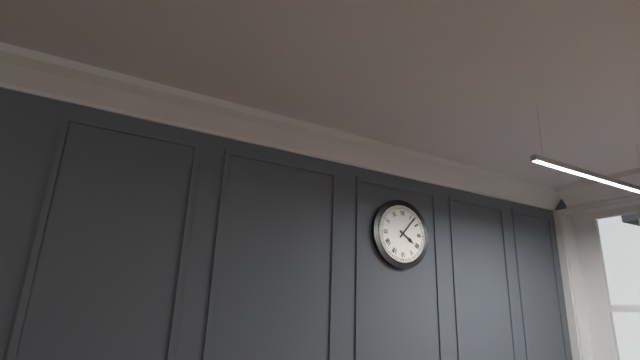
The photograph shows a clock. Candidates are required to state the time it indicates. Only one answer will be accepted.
4:07
